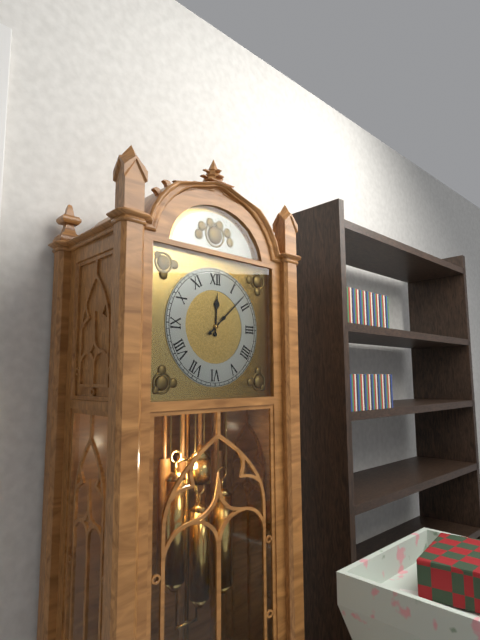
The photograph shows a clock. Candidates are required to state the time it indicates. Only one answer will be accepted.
12:08
